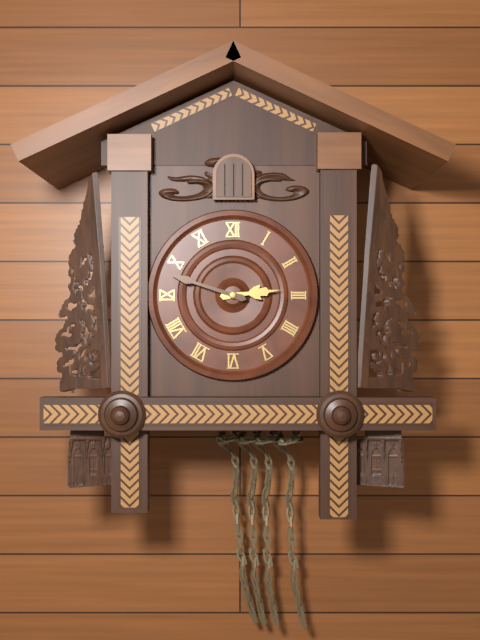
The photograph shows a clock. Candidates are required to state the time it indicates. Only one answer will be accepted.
2:48
